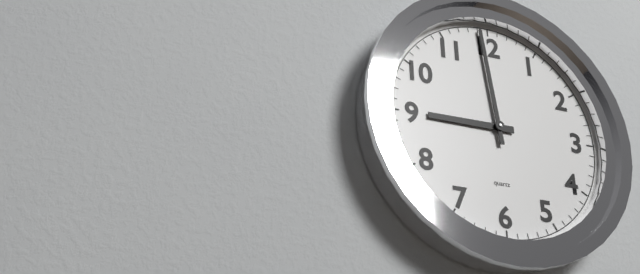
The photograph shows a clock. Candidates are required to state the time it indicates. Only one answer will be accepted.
8:59
